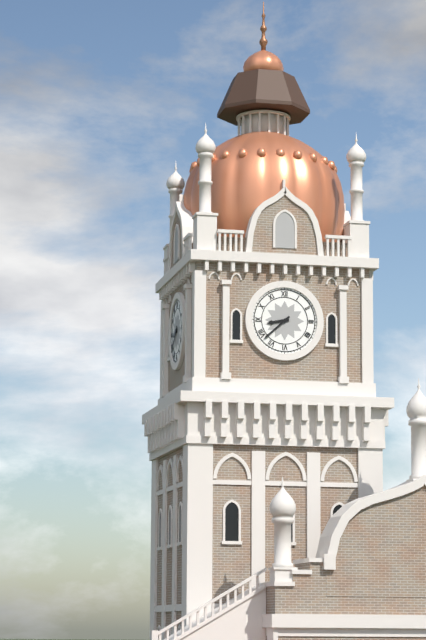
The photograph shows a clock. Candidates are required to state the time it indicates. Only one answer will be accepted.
8:38
